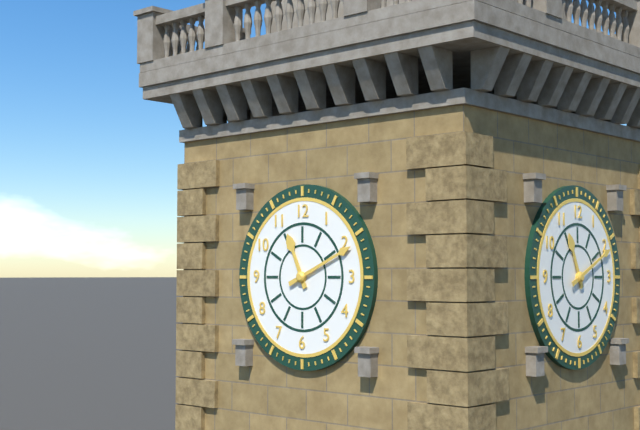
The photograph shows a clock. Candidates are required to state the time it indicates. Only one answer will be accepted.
11:11
